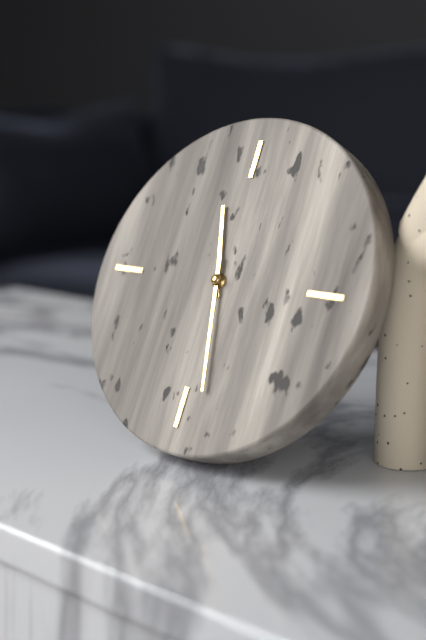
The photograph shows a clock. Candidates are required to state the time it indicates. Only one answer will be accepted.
11:28
